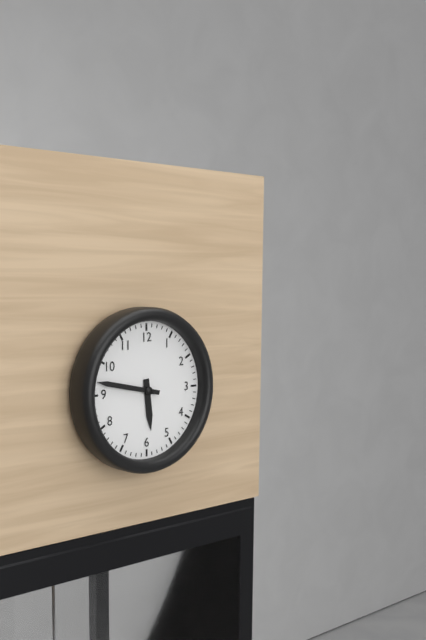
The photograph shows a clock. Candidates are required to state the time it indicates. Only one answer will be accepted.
5:47
